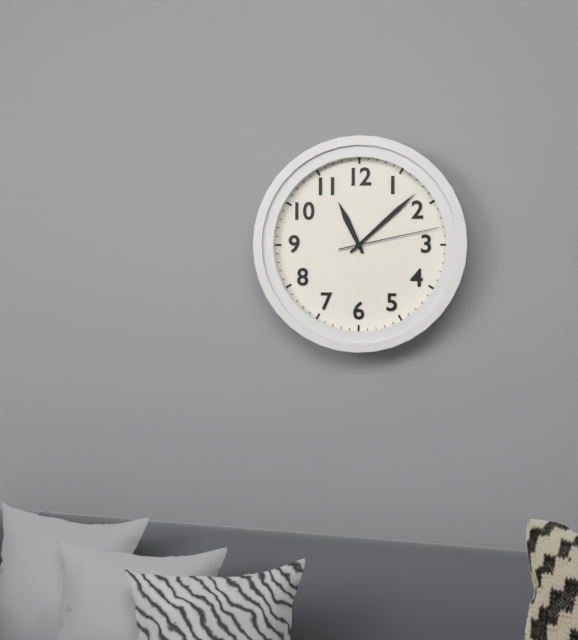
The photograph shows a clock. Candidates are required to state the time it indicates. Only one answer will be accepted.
11:08:13
